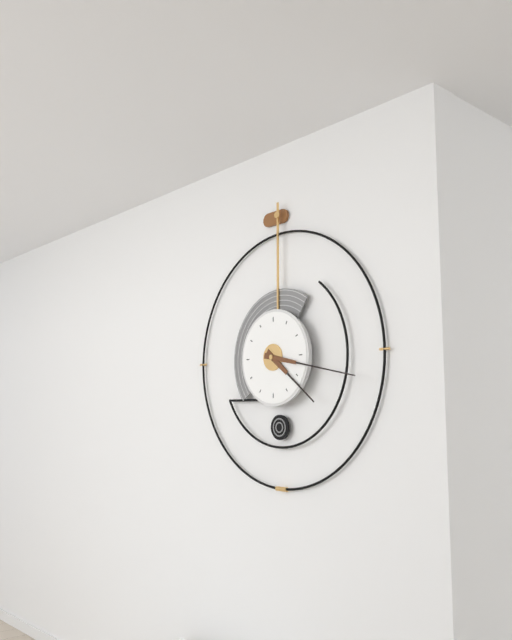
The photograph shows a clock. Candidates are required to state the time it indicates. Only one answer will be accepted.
4:17
